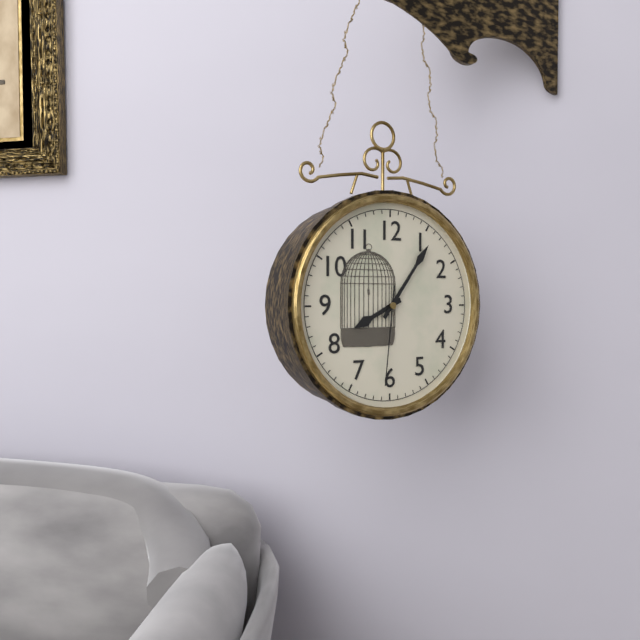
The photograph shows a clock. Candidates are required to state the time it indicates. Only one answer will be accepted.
8:06:31
